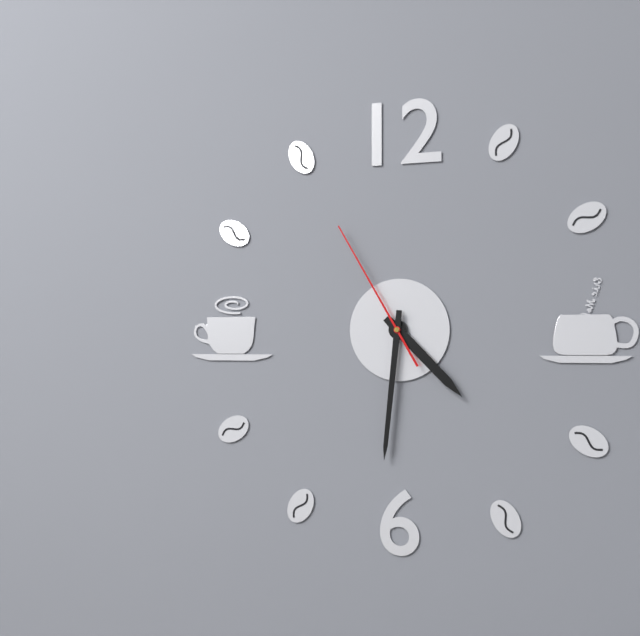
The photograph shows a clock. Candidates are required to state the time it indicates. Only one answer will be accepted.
4:31:55
